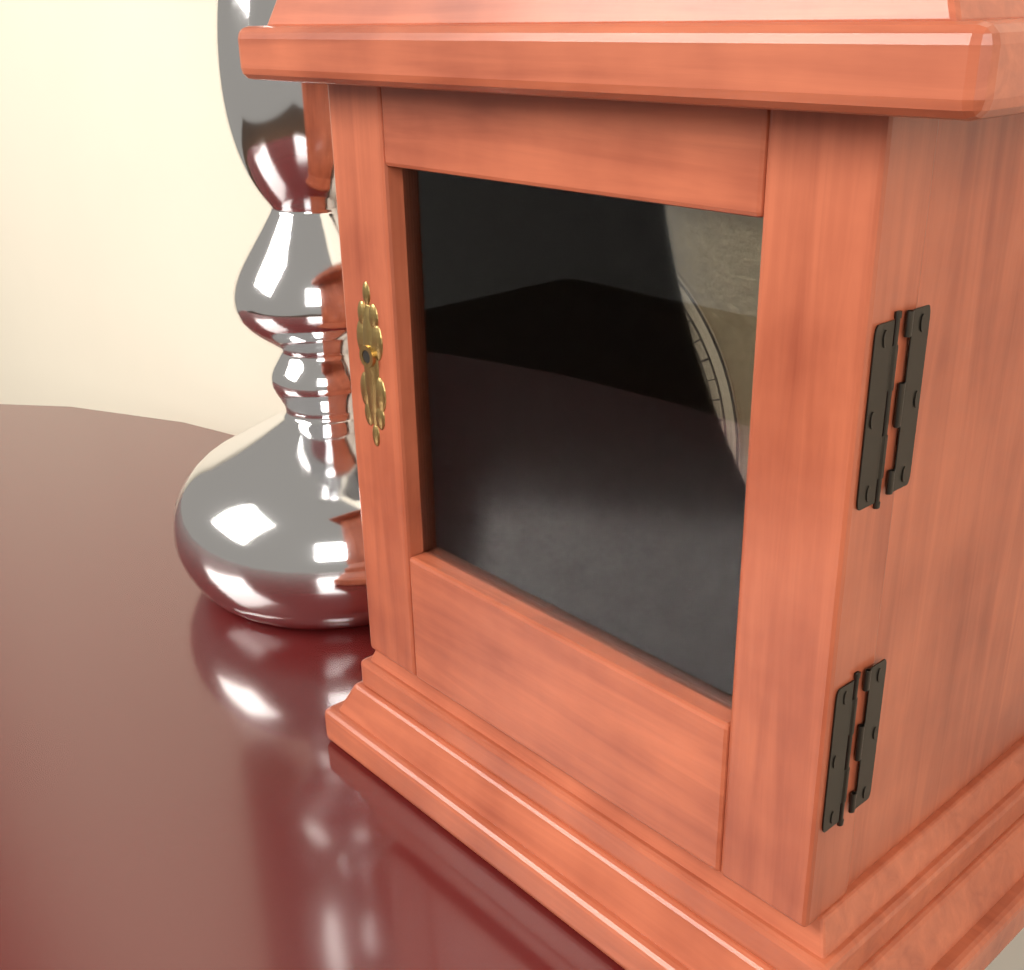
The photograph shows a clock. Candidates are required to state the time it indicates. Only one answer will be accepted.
3:49
